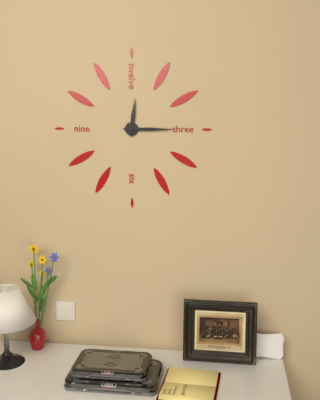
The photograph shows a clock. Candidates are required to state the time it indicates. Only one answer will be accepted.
12:15
